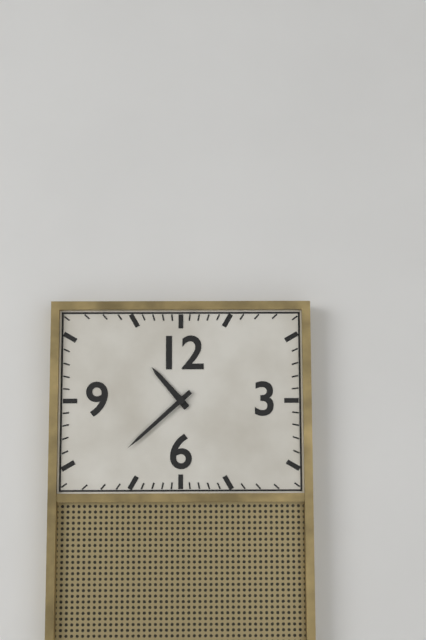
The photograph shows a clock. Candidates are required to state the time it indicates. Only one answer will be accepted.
10:38
